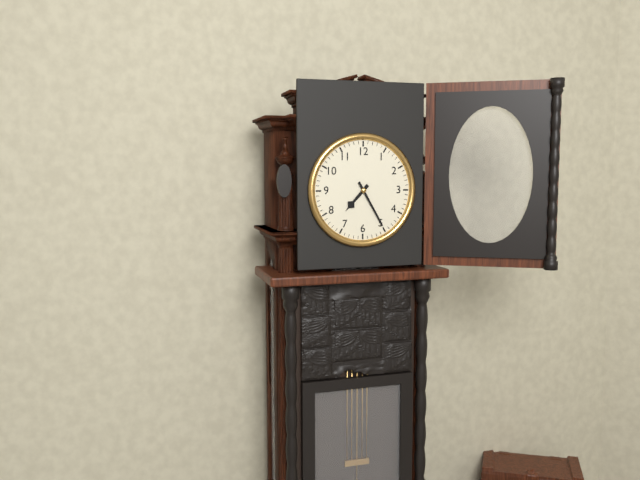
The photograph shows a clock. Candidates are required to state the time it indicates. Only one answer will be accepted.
7:25
